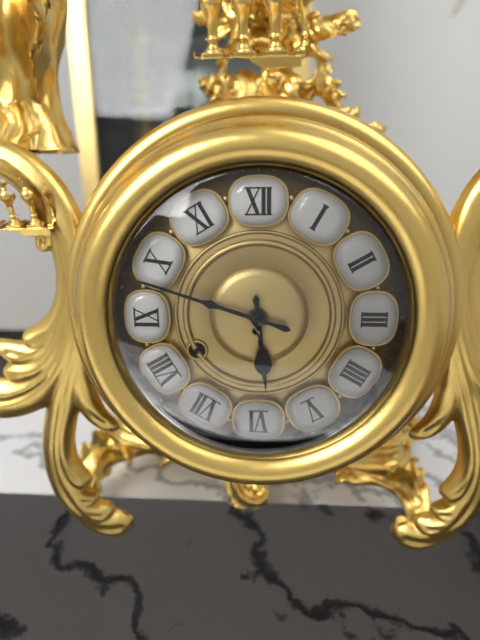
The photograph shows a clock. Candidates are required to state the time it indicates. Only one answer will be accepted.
5:48
